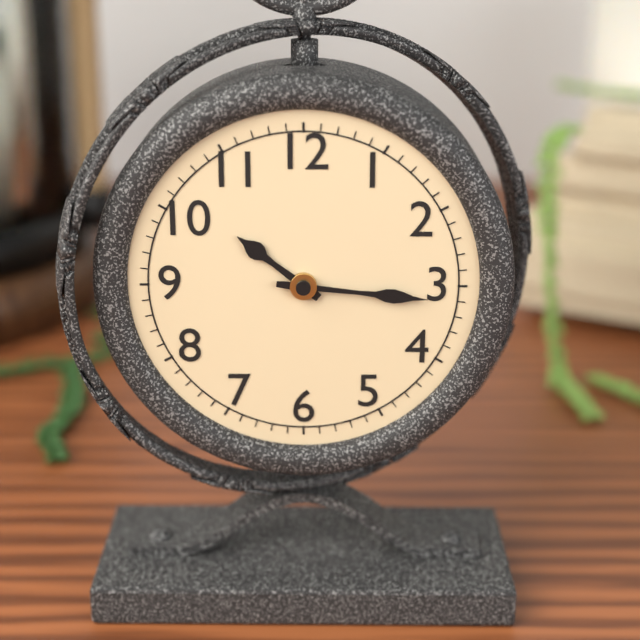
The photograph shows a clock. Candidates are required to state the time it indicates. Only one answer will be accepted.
10:16
